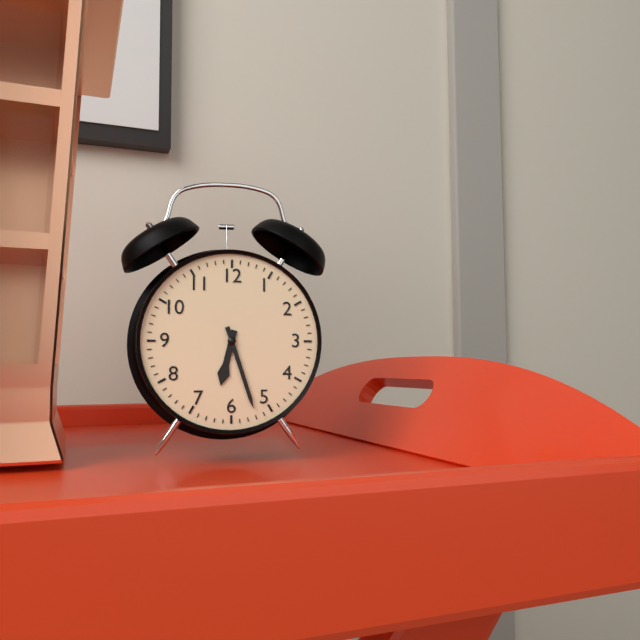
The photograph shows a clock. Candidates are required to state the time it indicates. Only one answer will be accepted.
6:27
